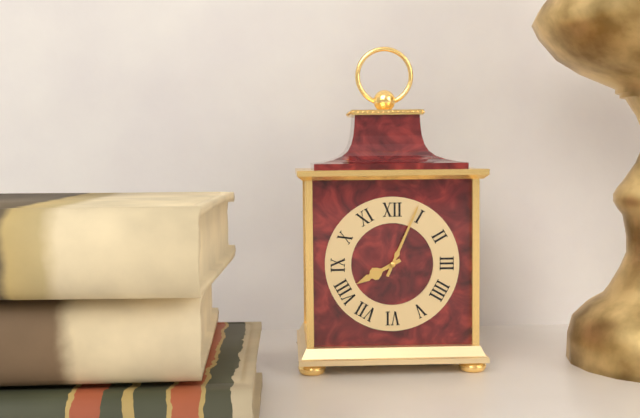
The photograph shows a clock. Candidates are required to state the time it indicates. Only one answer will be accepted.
8:04
